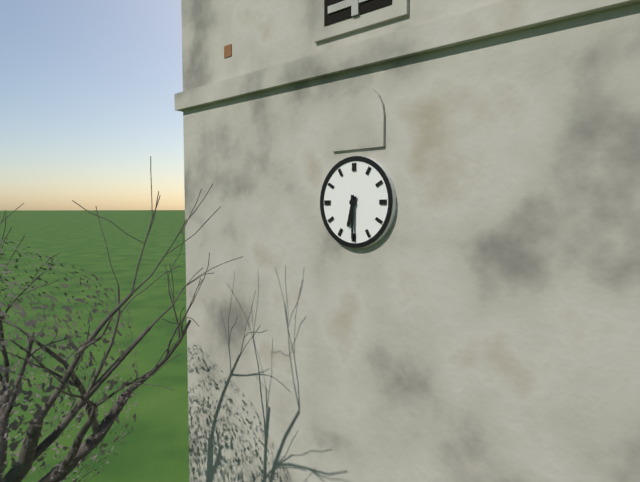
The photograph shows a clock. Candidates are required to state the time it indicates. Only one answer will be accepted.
6:30
